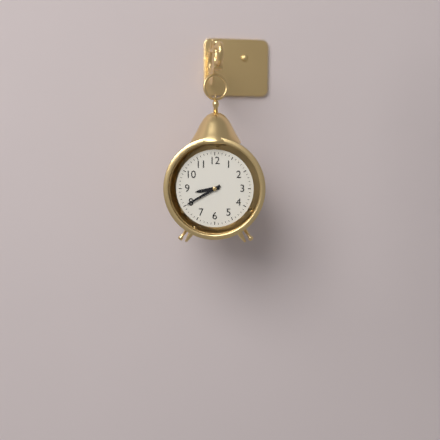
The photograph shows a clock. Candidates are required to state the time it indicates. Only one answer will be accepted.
8:40
